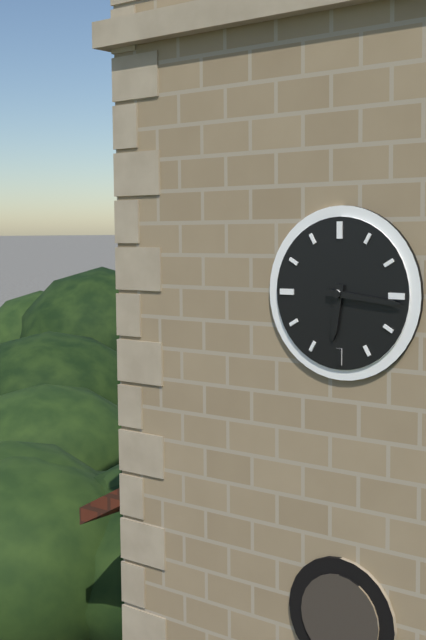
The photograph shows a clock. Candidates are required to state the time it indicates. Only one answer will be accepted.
6:16
